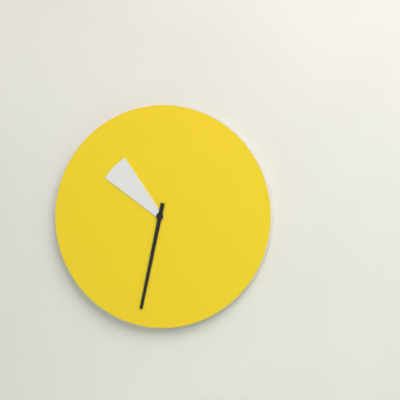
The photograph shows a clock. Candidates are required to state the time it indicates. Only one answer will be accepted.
10:32
